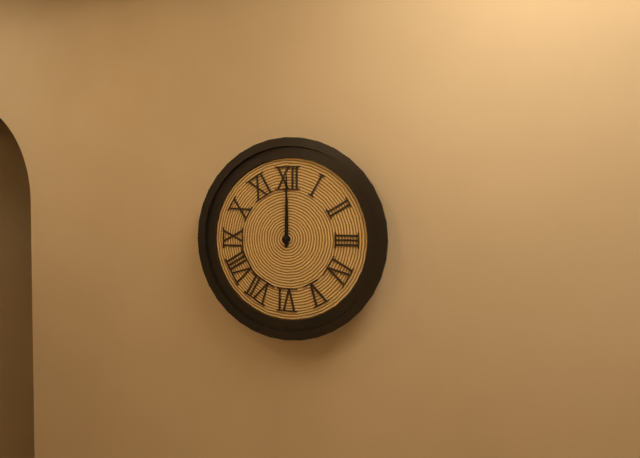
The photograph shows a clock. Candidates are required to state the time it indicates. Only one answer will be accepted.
12:00
